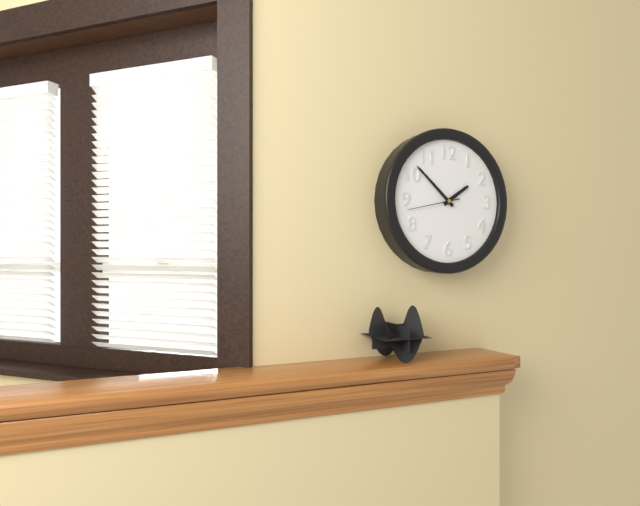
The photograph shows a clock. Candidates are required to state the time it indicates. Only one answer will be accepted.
1:52
